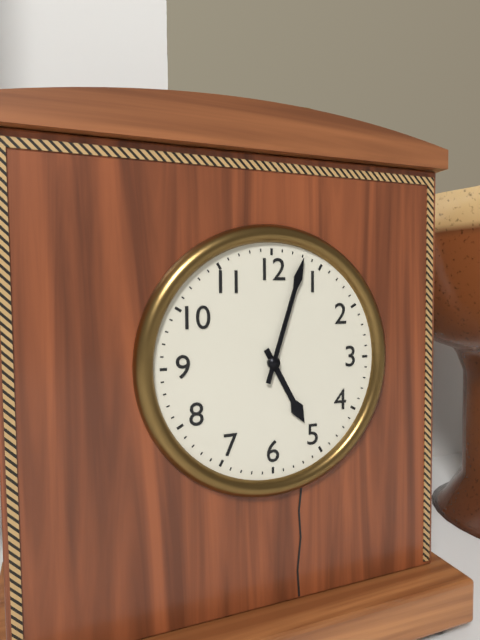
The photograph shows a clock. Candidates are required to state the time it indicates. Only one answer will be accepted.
5:03
